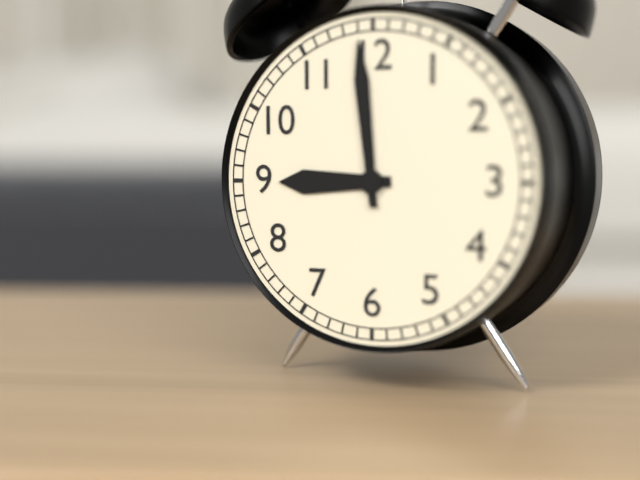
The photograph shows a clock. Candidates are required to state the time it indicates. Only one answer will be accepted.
8:59
